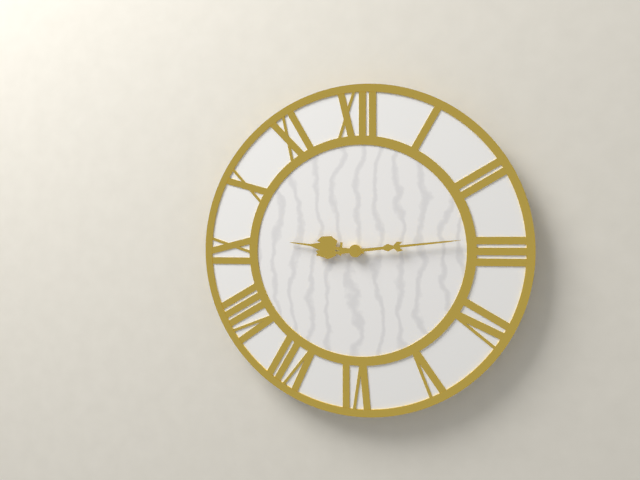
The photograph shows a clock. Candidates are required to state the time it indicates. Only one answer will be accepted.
9:14
